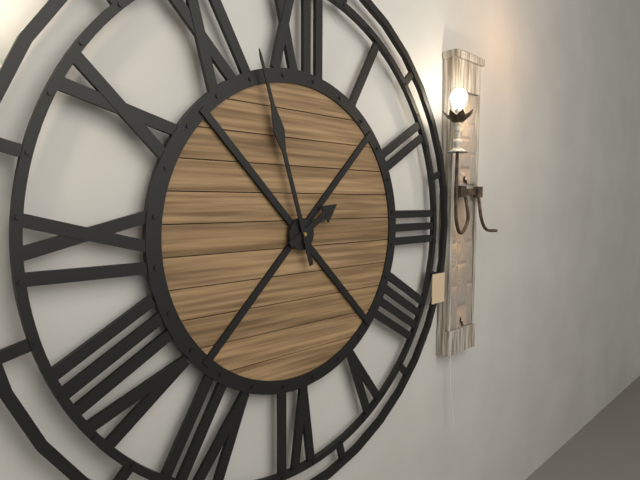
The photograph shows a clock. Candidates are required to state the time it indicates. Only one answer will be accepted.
1:57
